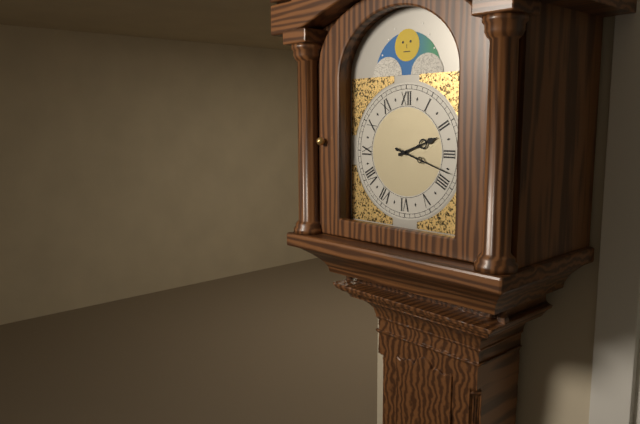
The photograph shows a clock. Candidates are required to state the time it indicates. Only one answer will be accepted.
2:18
